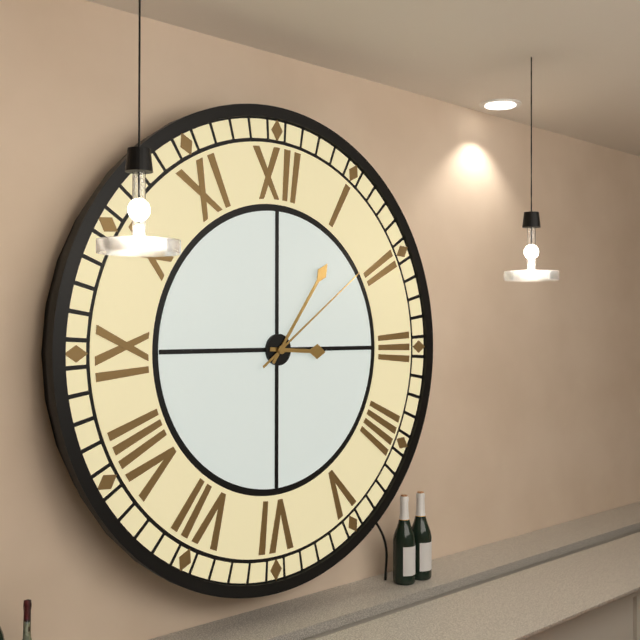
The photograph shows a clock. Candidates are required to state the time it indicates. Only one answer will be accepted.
3:06:09
